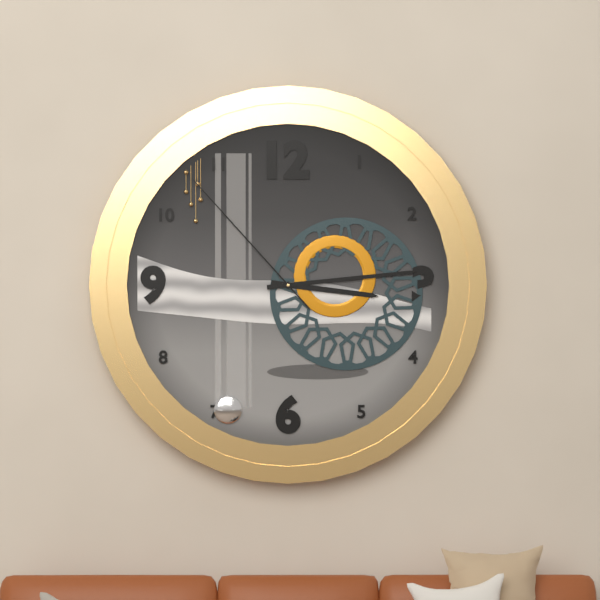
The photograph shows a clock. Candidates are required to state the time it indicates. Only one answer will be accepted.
3:14:53
